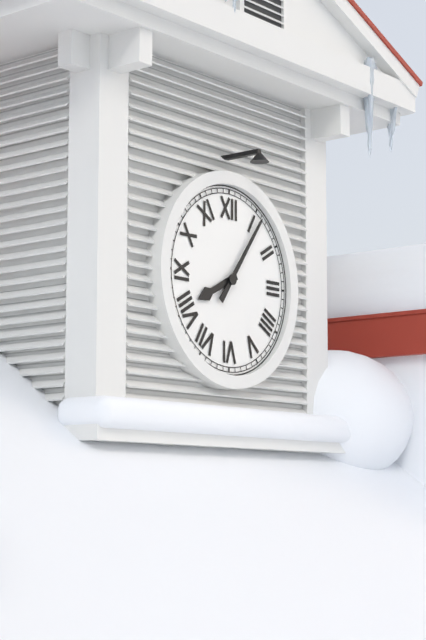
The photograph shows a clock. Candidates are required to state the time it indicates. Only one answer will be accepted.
8:06
